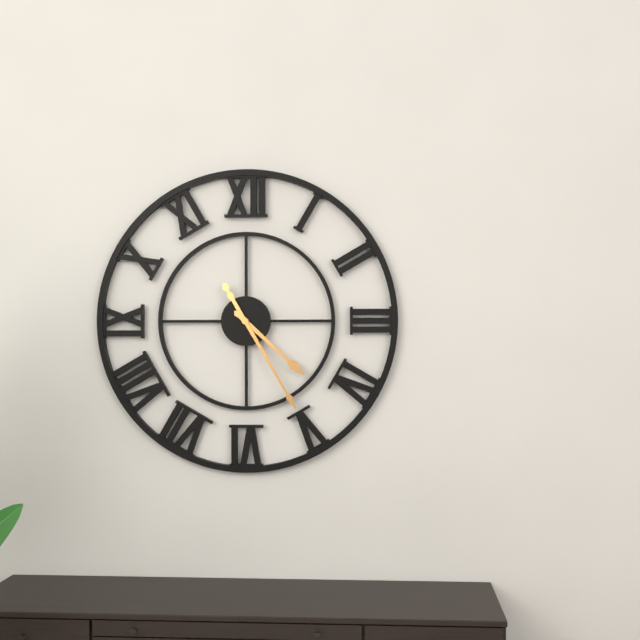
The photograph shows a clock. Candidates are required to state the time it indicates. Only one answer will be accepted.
4:25
